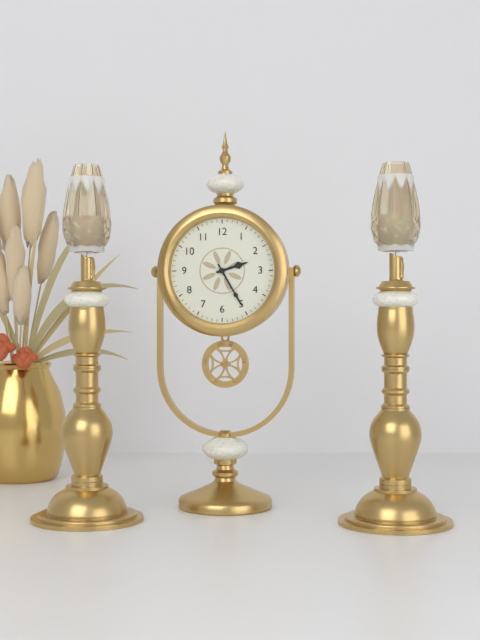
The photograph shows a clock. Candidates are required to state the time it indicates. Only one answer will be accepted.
2:25
